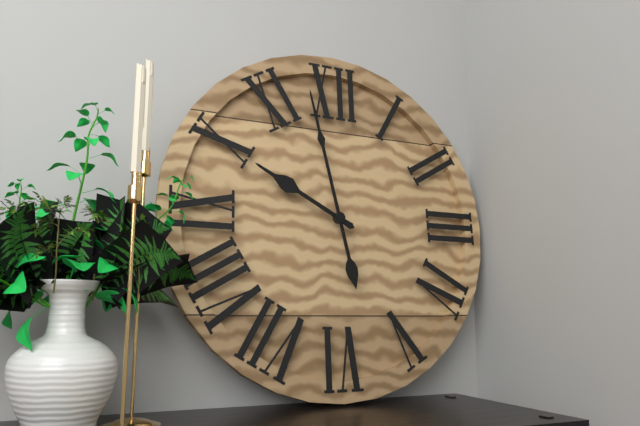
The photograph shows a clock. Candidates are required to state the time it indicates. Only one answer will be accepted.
9:58
